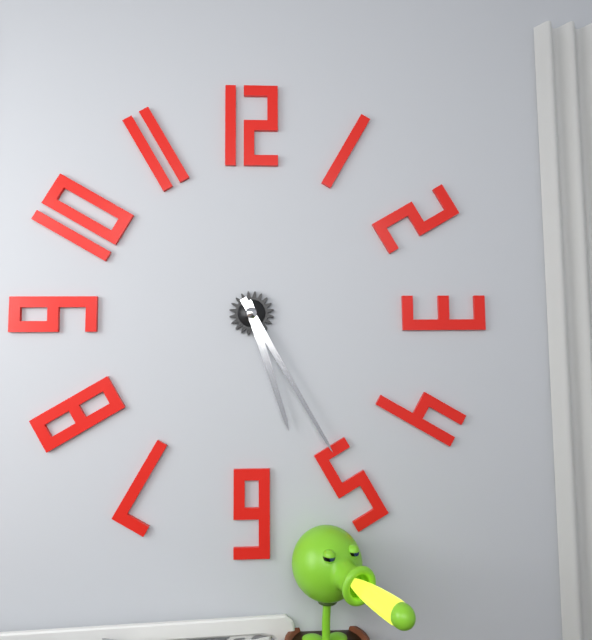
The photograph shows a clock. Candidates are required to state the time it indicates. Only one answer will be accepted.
5:25
